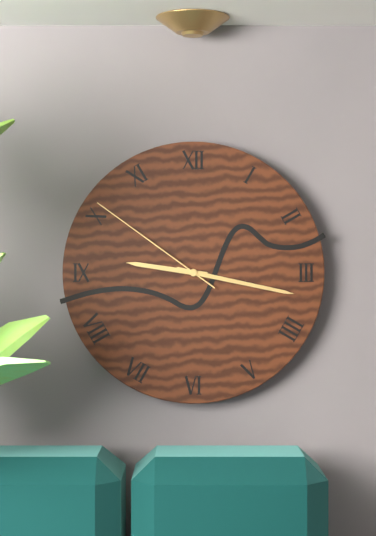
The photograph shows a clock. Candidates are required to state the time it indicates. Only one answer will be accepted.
9:17:51
